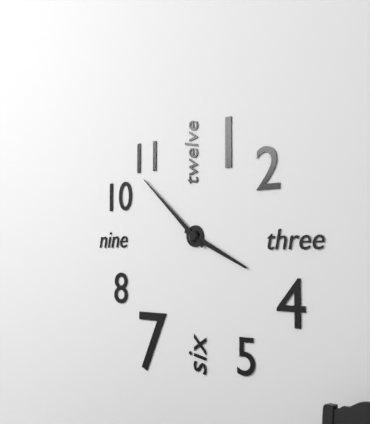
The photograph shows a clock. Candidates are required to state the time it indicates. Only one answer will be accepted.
3:52
